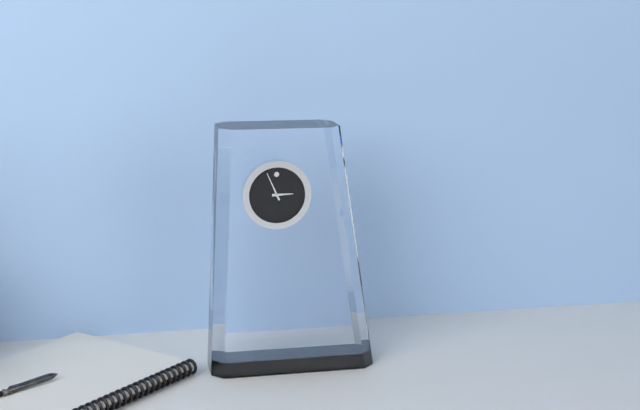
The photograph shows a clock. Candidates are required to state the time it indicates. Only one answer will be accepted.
2:56
